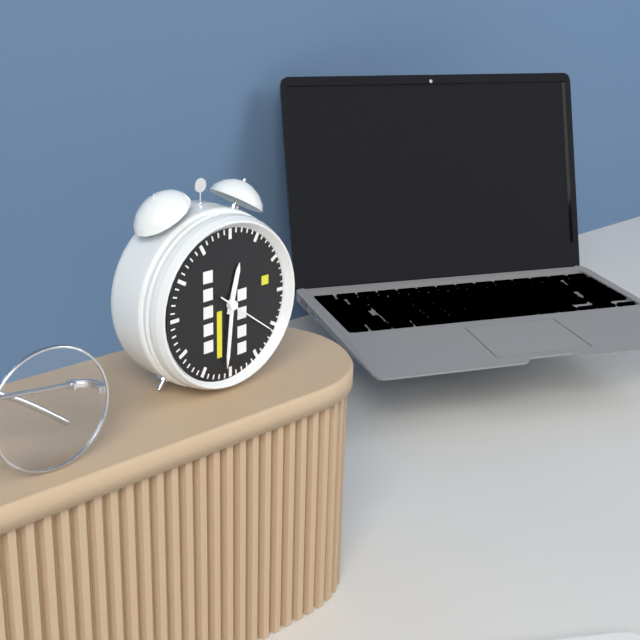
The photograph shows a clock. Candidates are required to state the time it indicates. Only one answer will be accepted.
12:31:21
